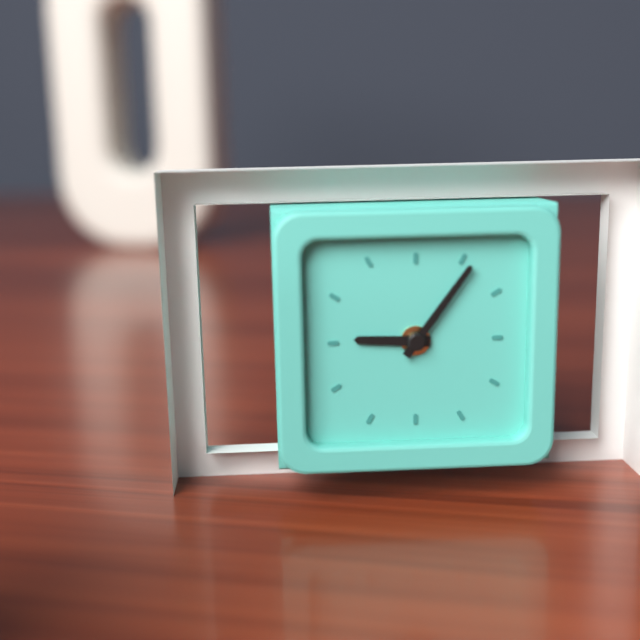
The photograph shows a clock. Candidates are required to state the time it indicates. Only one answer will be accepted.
9:06
